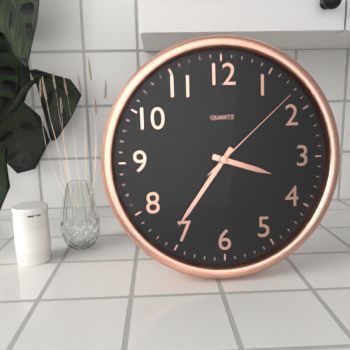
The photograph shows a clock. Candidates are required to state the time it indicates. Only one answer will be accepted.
3:36:08
